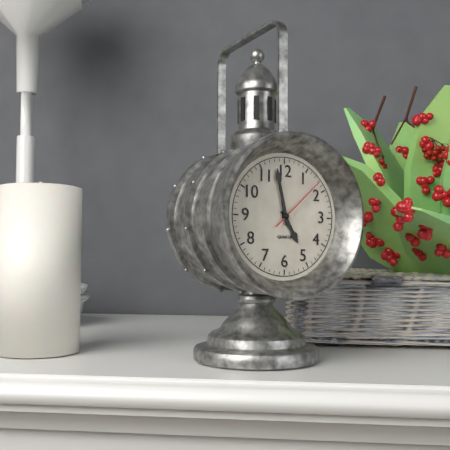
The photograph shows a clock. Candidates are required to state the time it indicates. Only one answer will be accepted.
4:58:08
